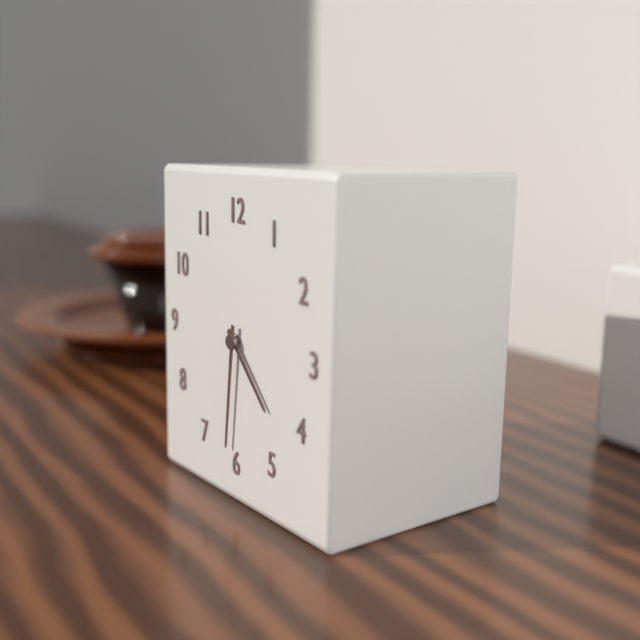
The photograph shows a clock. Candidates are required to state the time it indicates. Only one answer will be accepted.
4:31
